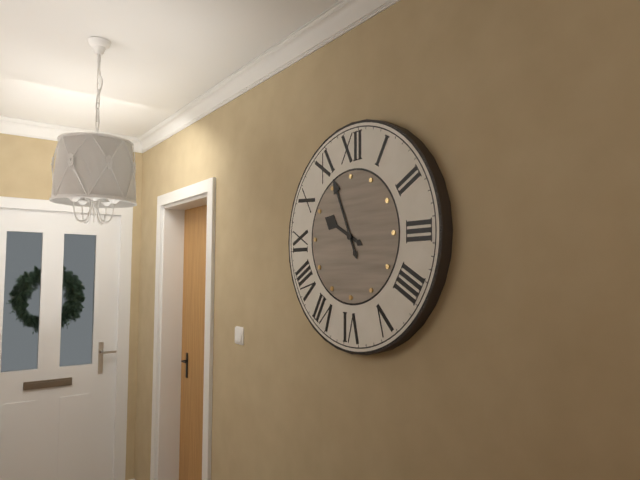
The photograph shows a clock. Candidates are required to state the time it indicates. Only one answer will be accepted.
9:56
